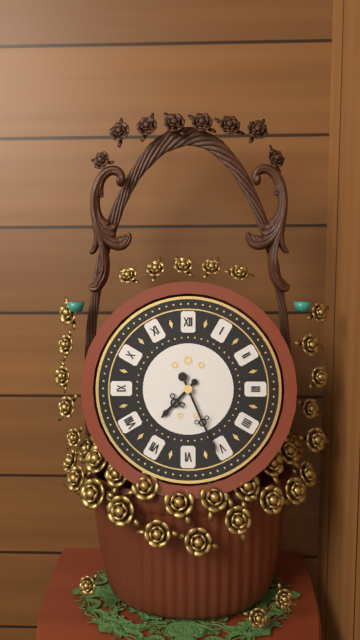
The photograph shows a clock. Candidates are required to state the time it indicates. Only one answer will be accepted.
7:26
